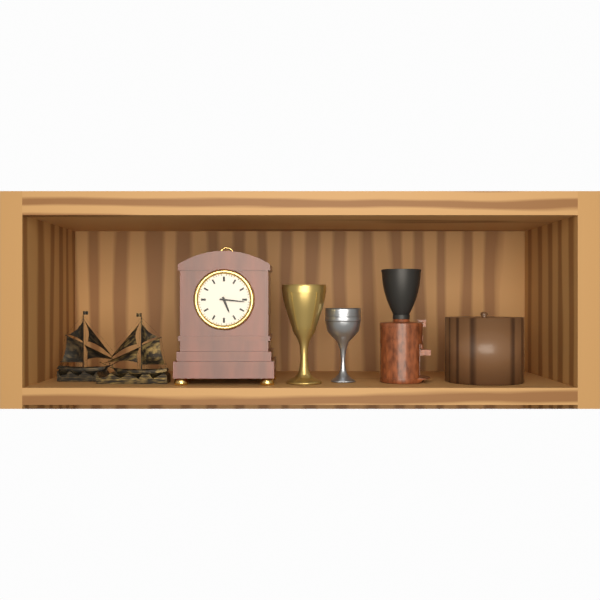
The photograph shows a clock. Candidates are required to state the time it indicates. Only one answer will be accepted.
5:16
